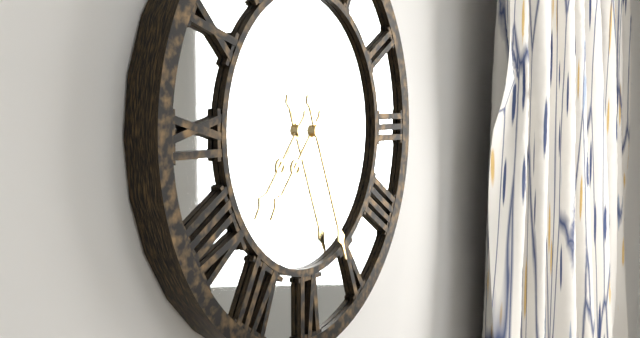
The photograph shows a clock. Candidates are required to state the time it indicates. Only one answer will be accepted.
7:26
